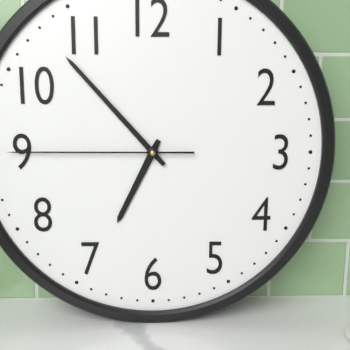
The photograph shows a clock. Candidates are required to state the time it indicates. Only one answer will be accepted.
6:53:45
